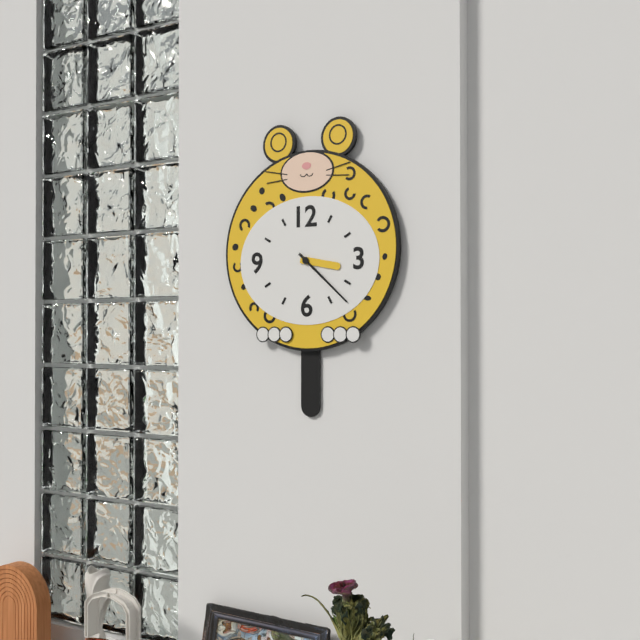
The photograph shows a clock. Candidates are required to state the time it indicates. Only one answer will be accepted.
3:22
